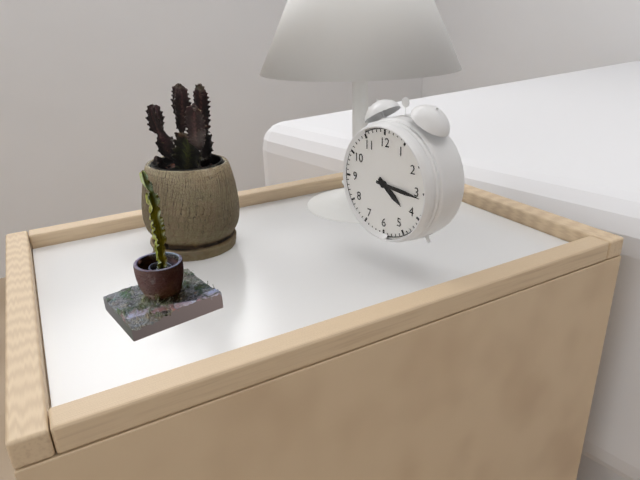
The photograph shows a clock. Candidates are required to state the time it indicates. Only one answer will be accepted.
4:16
